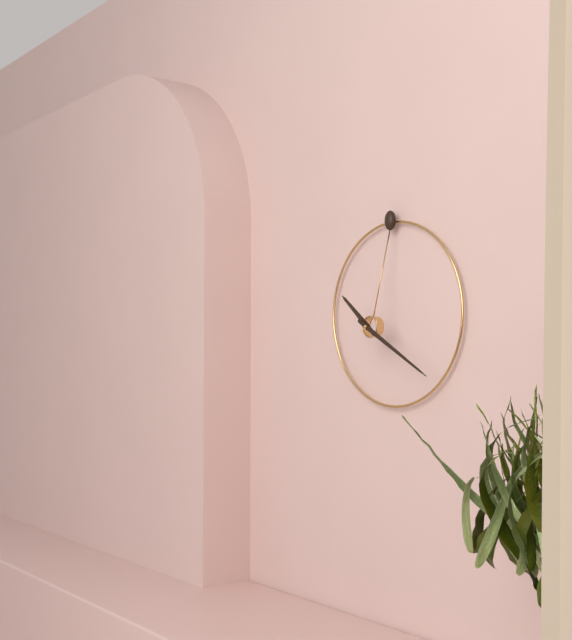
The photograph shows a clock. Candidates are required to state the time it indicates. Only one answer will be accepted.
10:20
